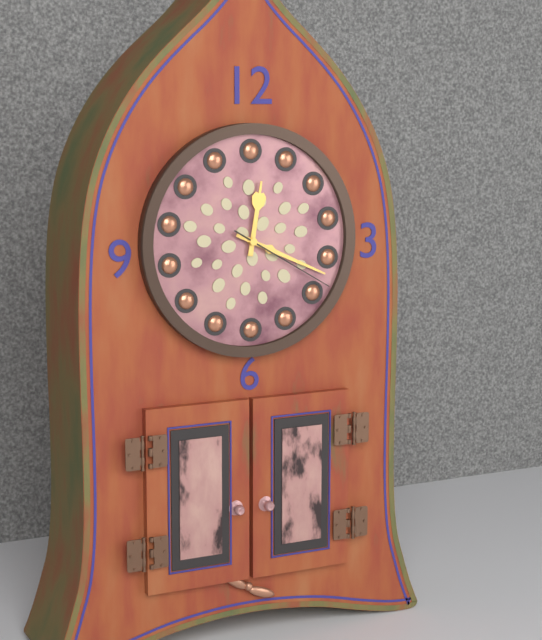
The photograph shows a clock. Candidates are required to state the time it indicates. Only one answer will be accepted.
12:19:20
